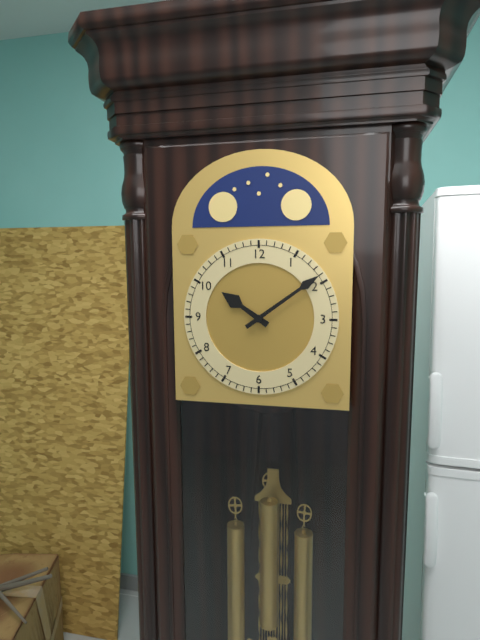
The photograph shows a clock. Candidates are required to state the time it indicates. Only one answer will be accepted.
10:09
